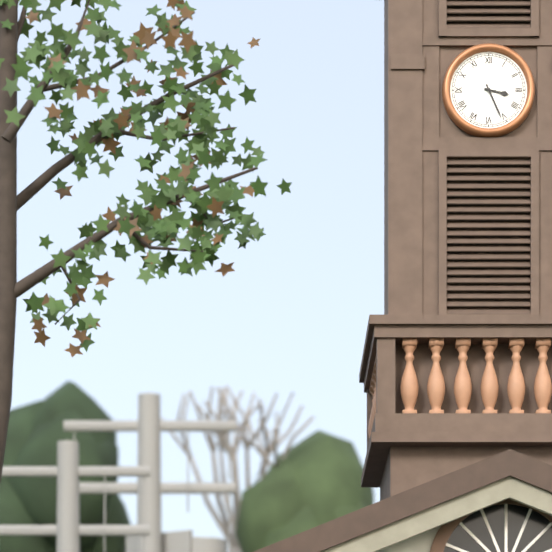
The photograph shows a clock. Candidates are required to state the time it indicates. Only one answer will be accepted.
3:26
